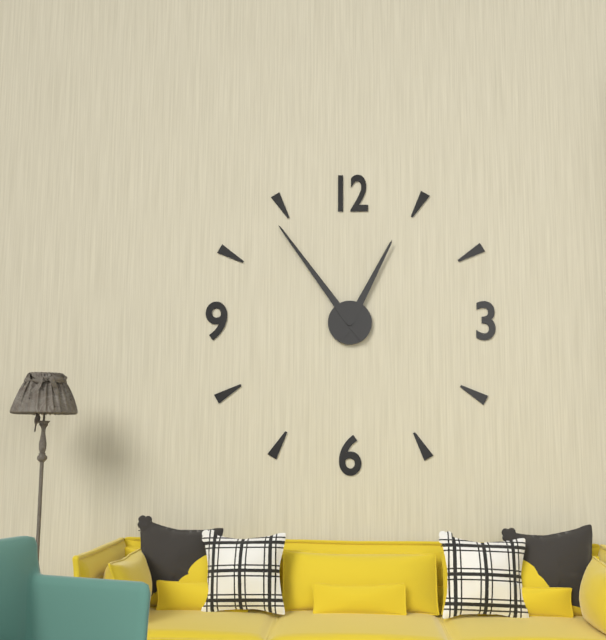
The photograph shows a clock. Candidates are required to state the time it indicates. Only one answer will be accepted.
12:54
